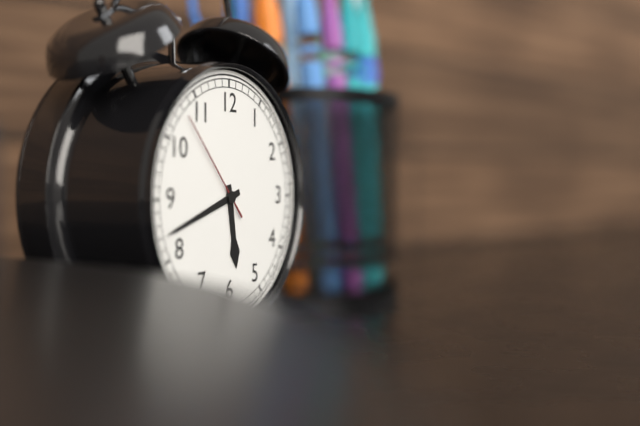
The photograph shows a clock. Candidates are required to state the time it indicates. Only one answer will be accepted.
5:42:53
